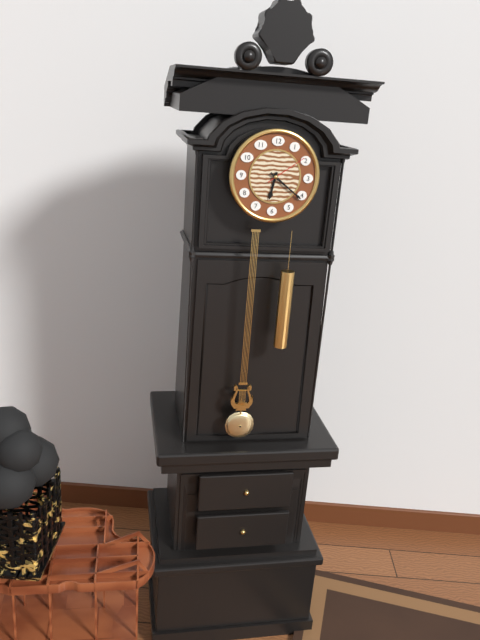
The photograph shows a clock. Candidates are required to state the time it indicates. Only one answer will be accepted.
6:21
